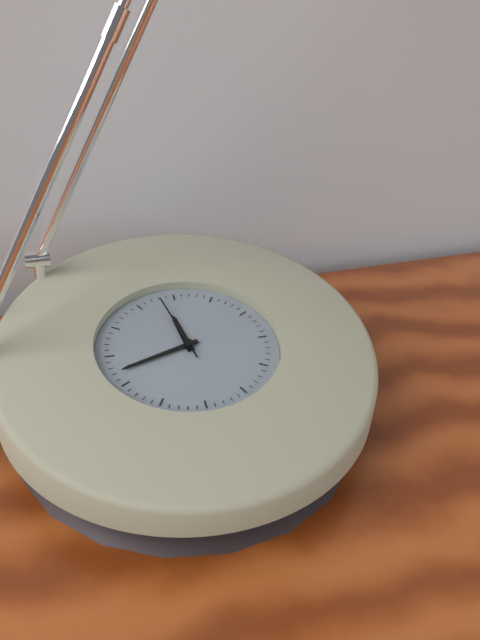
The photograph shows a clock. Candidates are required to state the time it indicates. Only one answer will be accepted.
11:42:58
